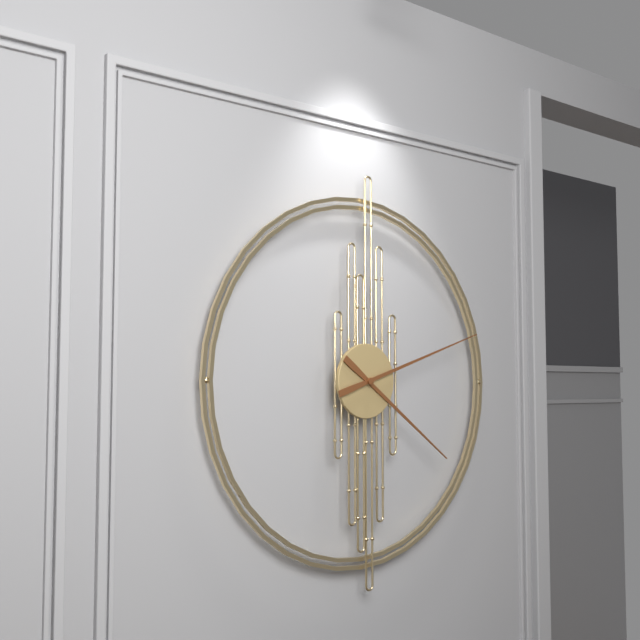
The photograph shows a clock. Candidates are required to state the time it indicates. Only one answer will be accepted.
4:12
